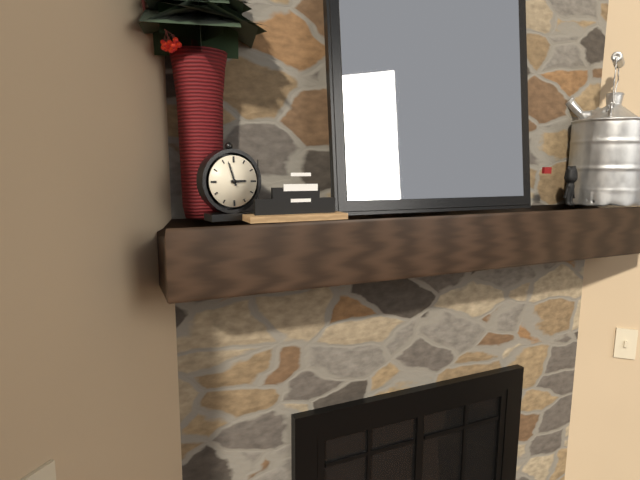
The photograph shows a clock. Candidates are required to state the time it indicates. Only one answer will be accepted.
2:57
